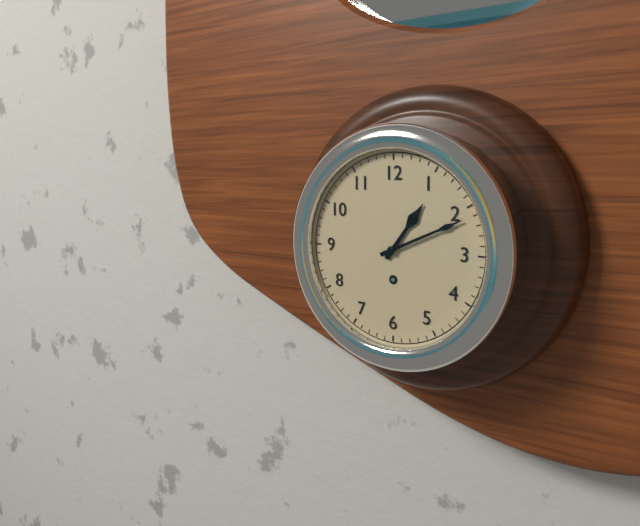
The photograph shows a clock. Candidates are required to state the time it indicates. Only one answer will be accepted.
1:11
